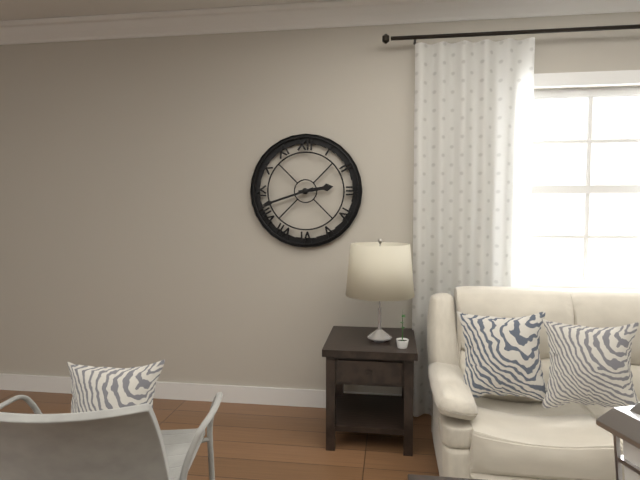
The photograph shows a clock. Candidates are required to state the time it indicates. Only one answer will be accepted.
2:42
